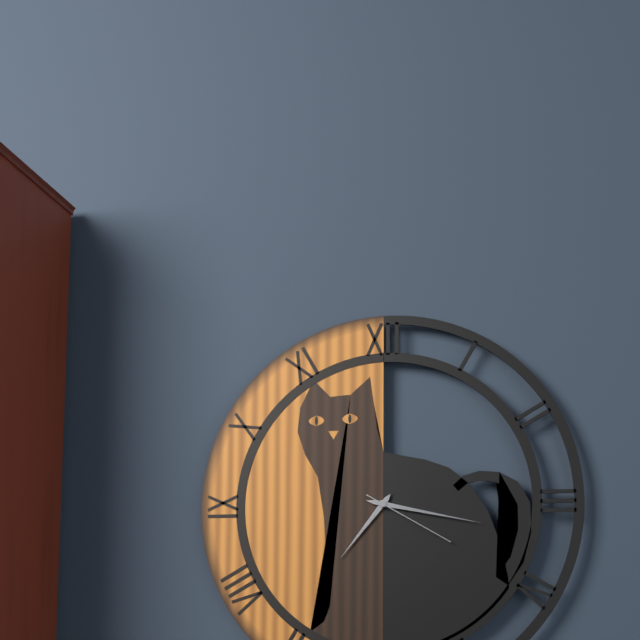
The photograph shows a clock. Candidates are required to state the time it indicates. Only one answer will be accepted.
7:17:20
